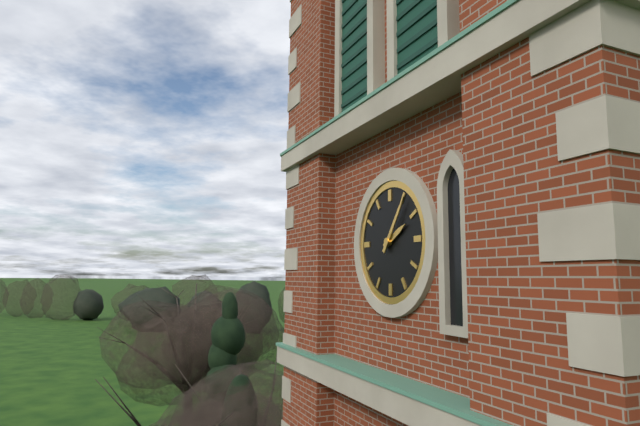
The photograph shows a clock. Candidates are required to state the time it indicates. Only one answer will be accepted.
2:06
